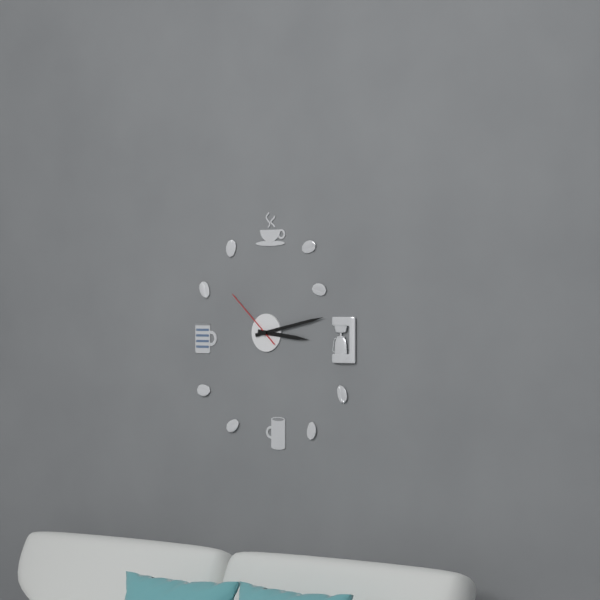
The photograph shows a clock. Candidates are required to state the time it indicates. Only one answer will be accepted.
3:13:52
